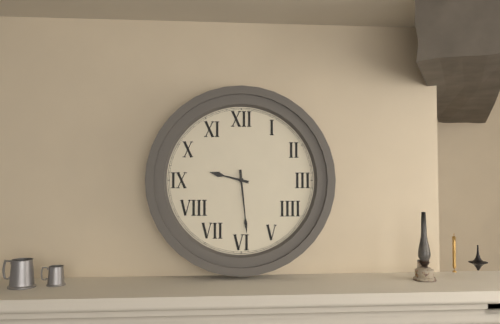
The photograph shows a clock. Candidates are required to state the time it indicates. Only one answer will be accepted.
9:29
